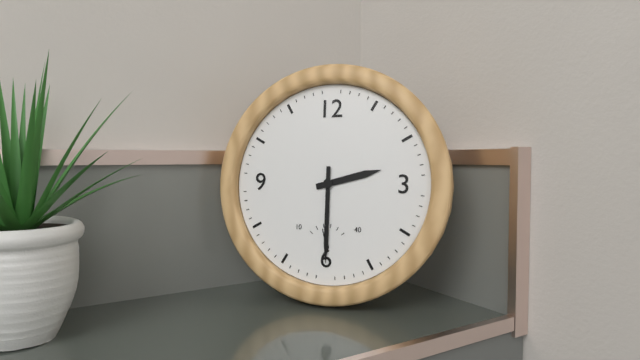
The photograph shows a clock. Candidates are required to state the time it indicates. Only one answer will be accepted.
2:30
